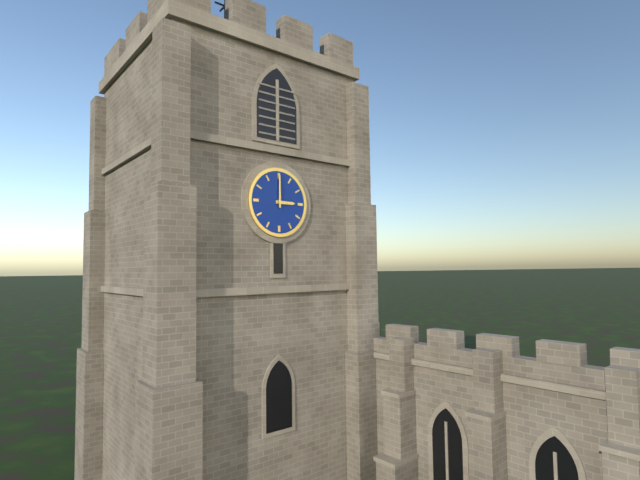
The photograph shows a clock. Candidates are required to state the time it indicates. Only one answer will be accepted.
3:00
